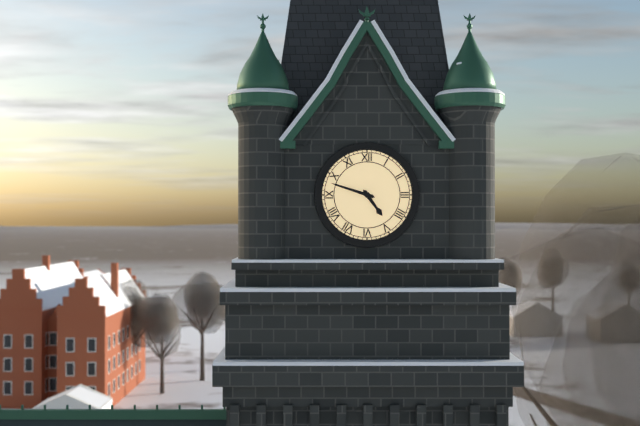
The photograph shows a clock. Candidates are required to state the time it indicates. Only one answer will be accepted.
4:48
